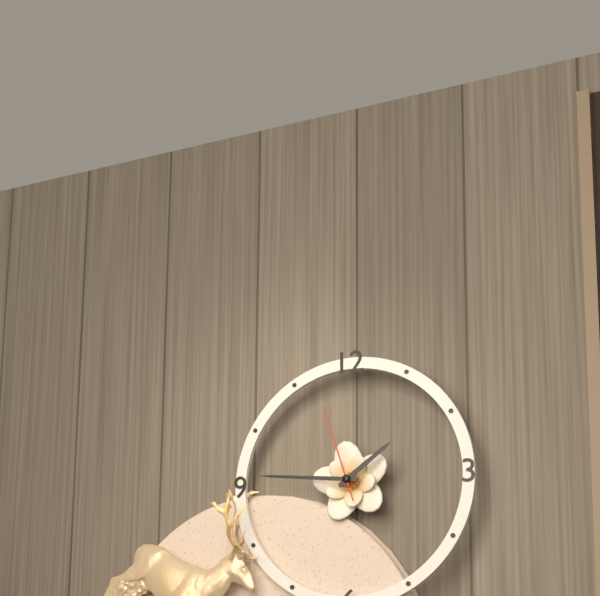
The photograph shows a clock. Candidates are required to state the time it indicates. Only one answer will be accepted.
1:46:57
